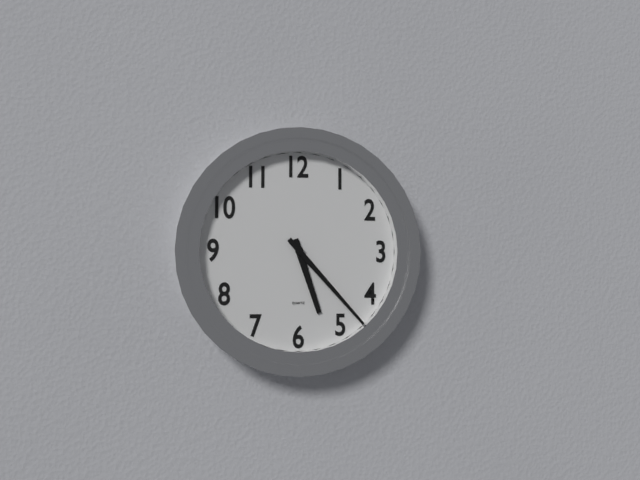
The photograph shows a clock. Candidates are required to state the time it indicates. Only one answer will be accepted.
5:23
